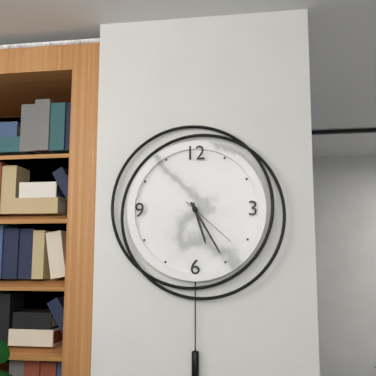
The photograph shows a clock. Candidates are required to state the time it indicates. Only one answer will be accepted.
5:25:22
